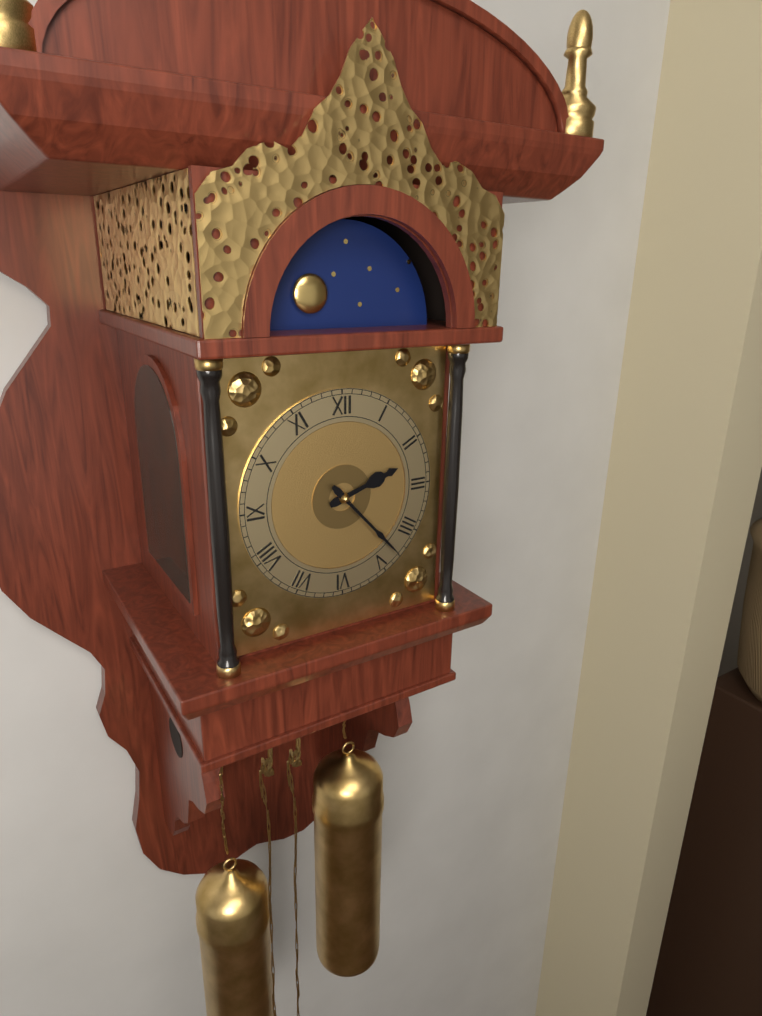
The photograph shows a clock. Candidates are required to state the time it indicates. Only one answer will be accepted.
2:23
